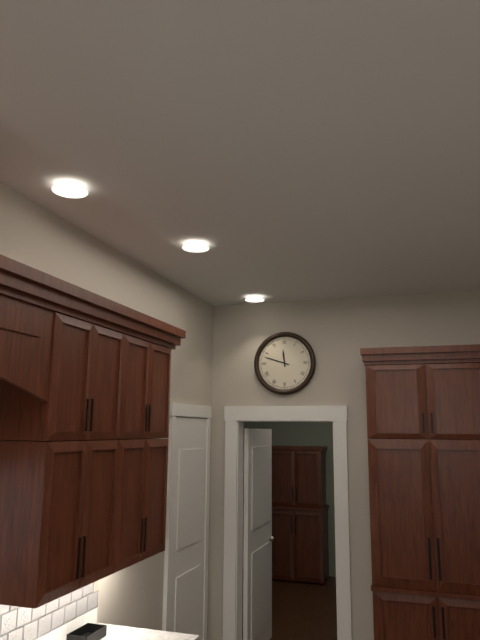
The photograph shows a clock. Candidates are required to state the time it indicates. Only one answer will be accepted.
11:48
